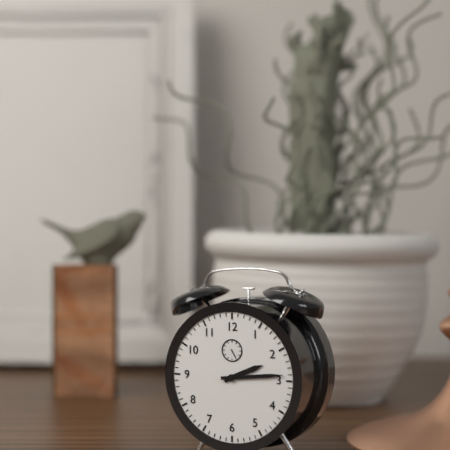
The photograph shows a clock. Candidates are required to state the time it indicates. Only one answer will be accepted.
2:14
